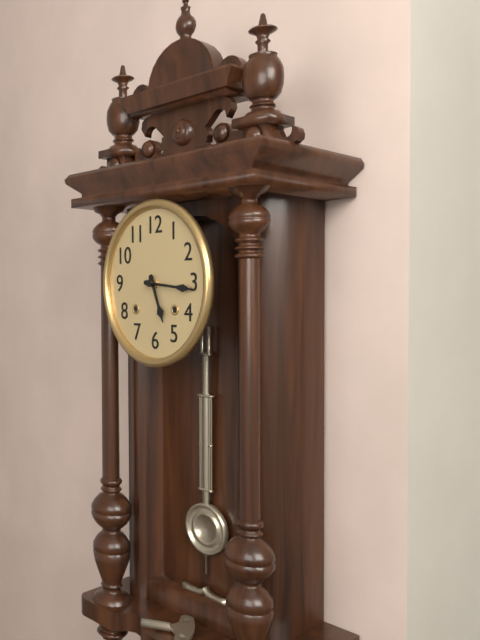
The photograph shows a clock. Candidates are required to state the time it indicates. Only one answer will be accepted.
5:16
